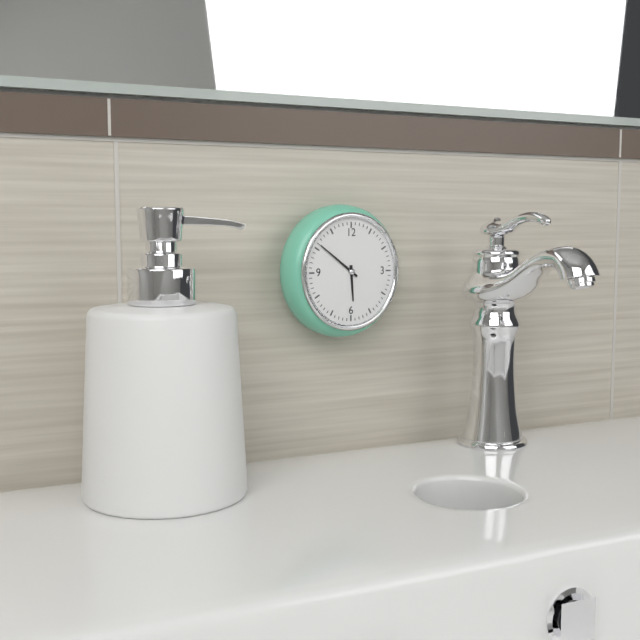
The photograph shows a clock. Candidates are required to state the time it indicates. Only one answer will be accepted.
5:51
